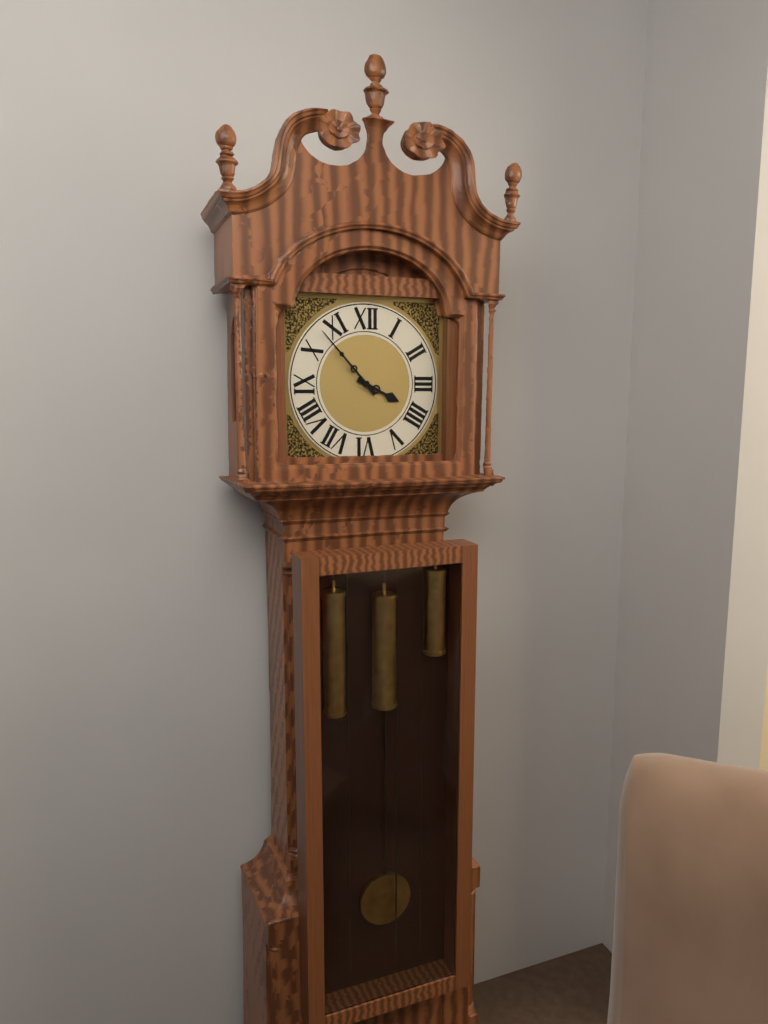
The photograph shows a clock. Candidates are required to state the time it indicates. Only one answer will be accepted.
3:53
